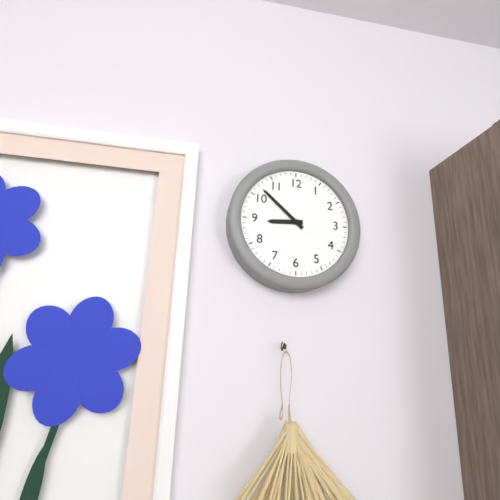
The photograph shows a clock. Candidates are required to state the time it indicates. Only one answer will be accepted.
8:52
